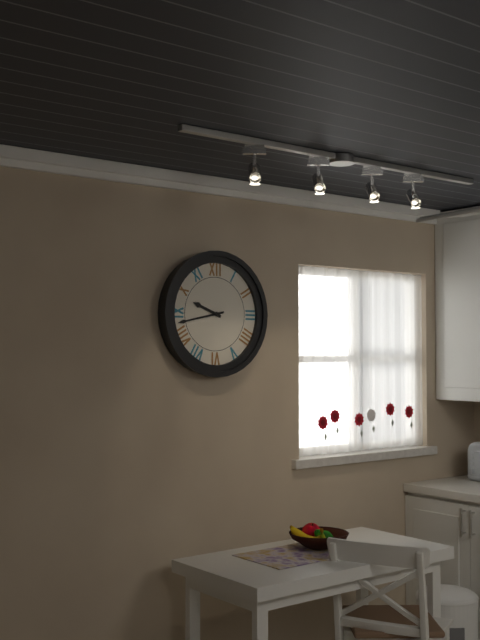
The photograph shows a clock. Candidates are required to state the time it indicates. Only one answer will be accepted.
9:43
